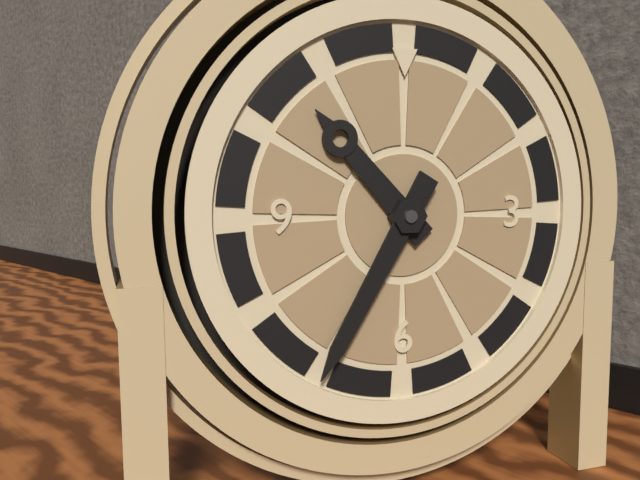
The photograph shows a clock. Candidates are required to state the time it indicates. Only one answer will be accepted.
10:35
